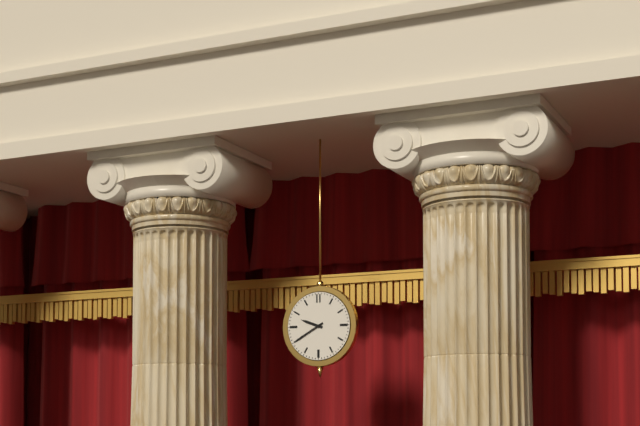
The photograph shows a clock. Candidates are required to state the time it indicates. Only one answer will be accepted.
9:40
